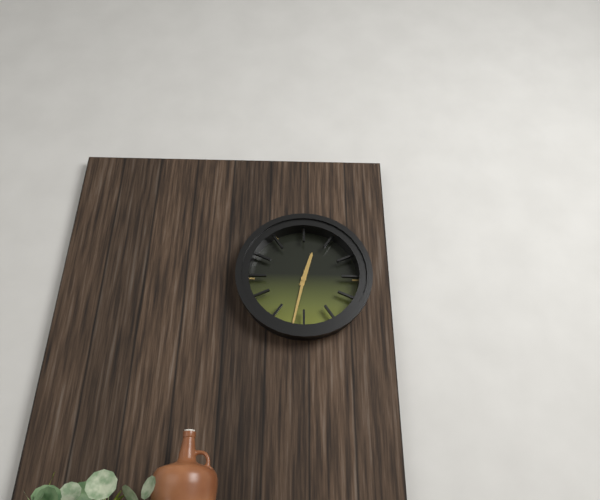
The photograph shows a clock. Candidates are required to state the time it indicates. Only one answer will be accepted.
12:32
